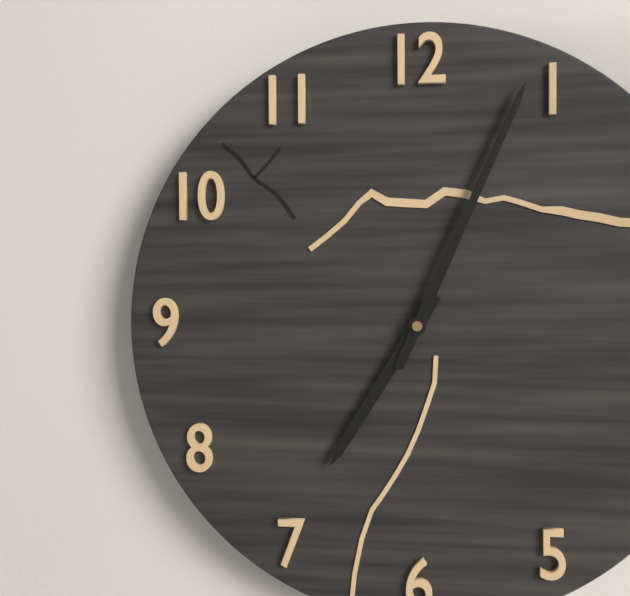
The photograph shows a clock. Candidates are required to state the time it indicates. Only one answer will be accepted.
7:04
